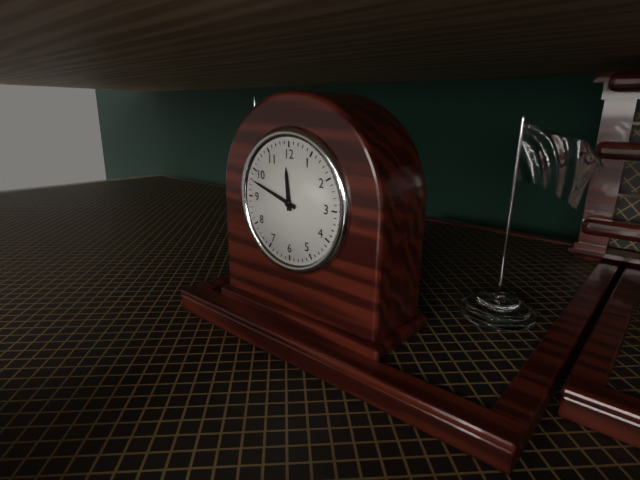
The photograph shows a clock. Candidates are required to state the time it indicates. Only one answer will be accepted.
11:48
